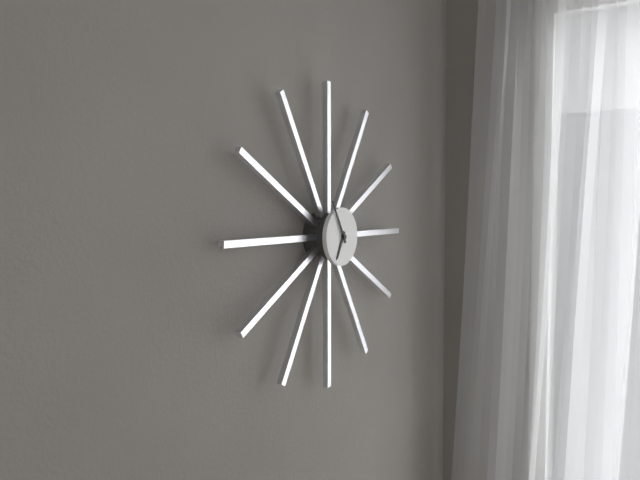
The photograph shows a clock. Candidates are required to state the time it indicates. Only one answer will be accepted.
6:55
